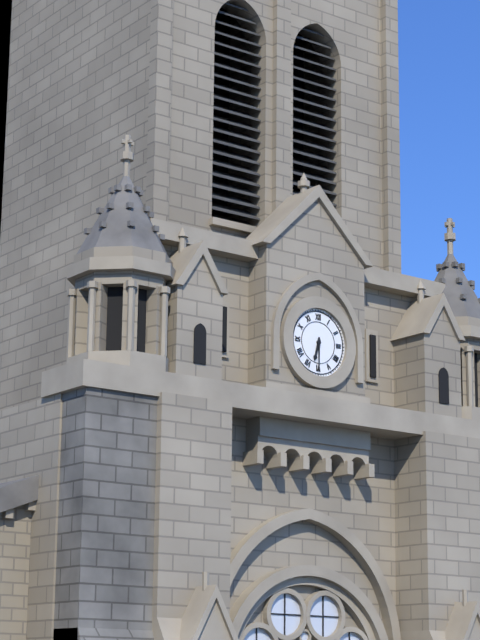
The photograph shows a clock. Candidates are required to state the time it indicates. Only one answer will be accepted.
6:30
